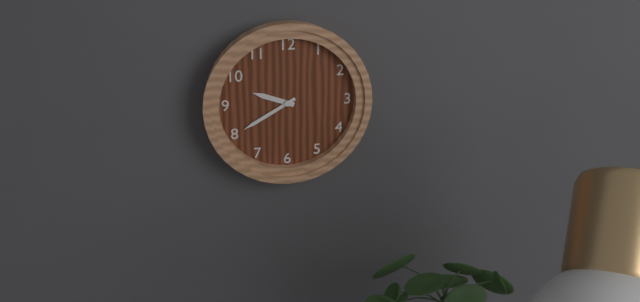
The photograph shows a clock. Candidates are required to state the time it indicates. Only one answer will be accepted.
9:40
